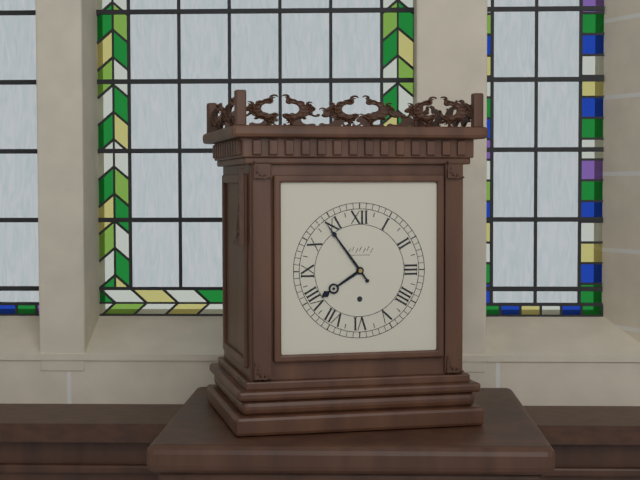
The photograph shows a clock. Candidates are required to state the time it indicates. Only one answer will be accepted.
7:54
